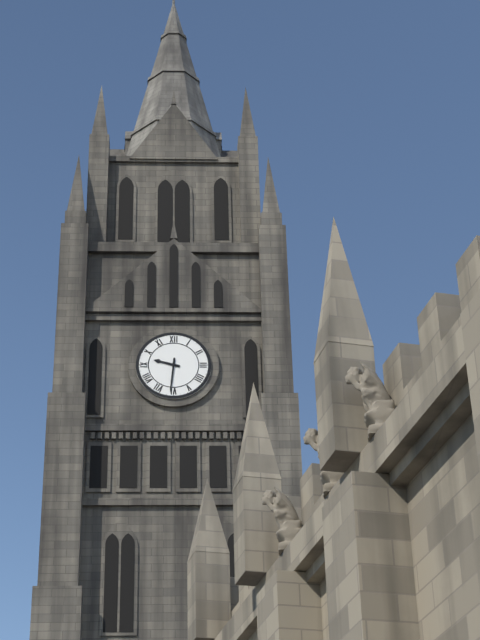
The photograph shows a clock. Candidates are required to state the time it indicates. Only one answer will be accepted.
9:31
